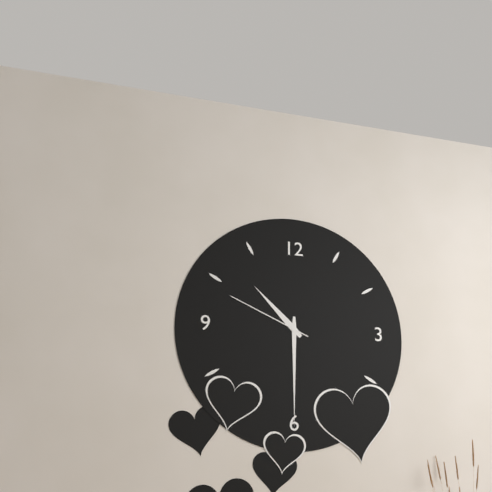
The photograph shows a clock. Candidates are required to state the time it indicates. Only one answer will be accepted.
10:30:49
